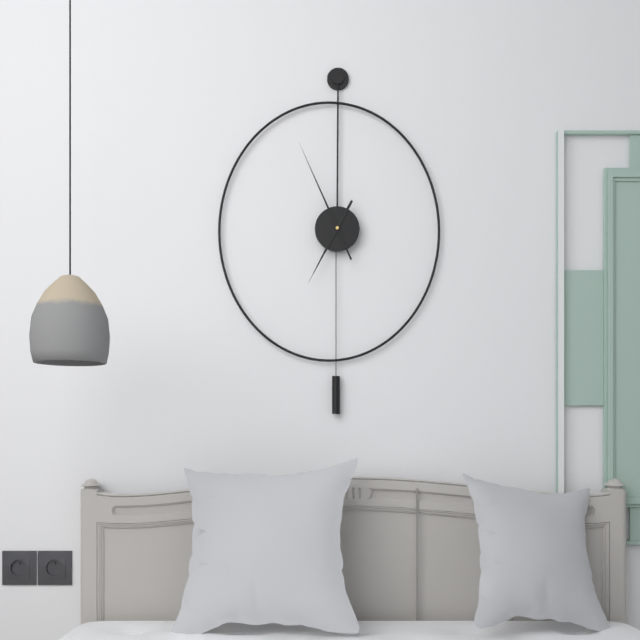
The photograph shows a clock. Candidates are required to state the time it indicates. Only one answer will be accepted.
6:56
